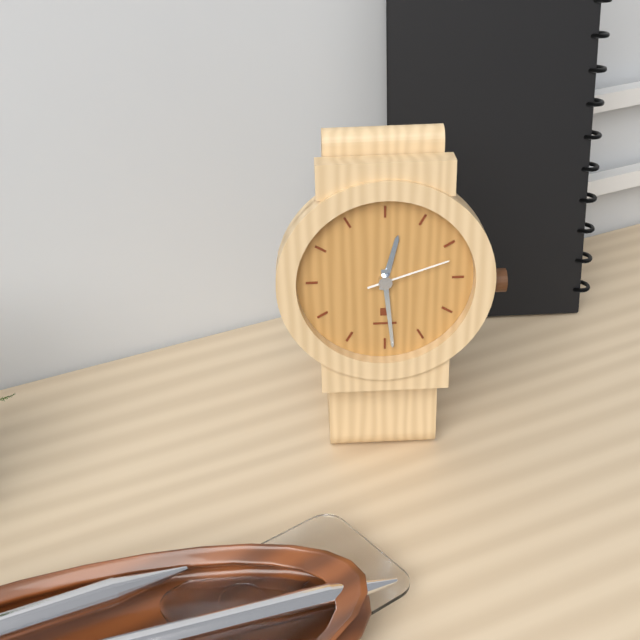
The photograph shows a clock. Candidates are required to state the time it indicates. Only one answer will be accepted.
12:29:12
